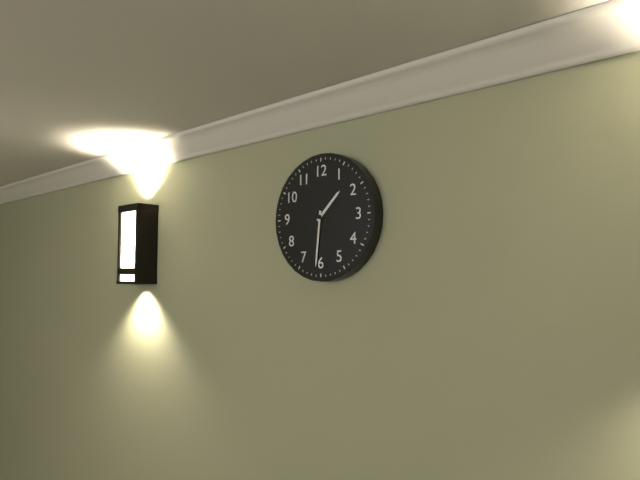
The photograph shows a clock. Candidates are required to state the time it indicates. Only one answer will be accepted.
1:31
